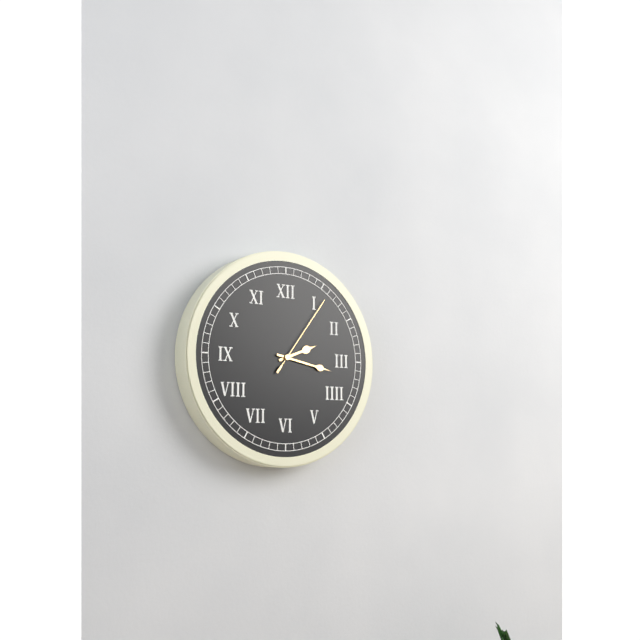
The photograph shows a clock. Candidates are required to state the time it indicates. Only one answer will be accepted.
2:17:06
